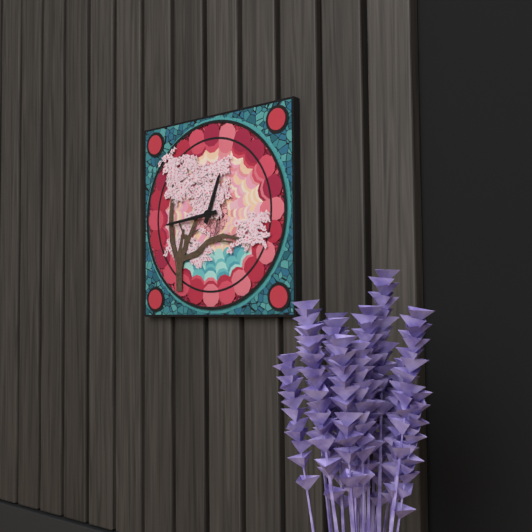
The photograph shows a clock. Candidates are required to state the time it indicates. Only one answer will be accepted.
12:44
